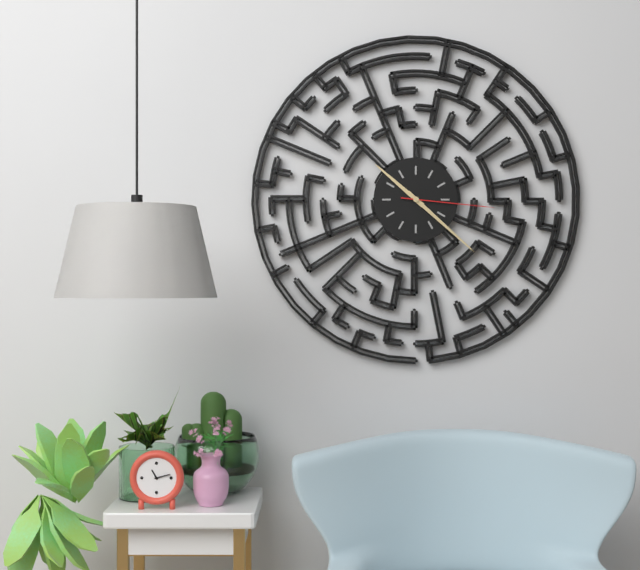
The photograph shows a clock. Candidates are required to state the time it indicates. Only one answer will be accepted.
10:22:16
